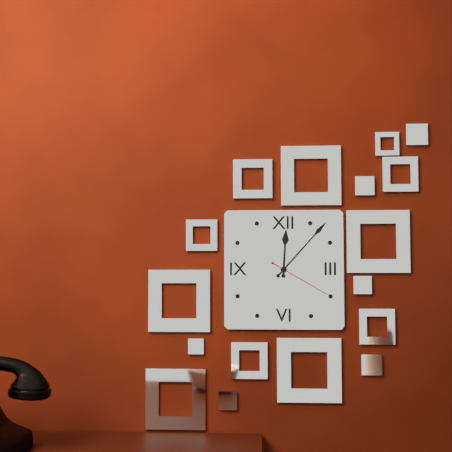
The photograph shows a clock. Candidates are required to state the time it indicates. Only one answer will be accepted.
12:07:20
